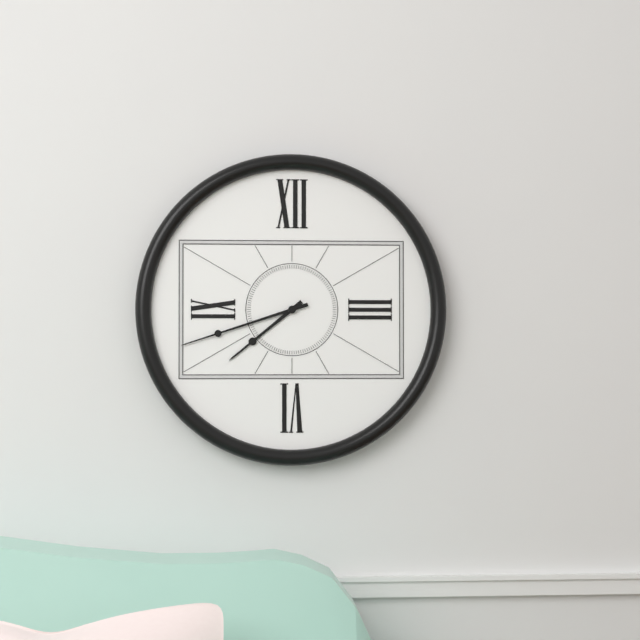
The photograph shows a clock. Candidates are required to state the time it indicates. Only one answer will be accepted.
7:42
